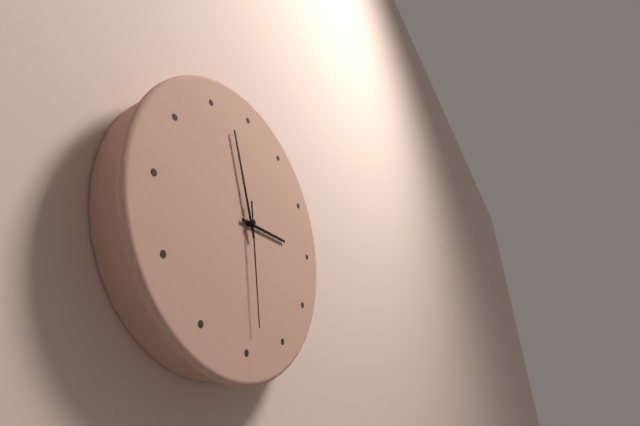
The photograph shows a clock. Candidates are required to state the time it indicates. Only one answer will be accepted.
2:57:29
